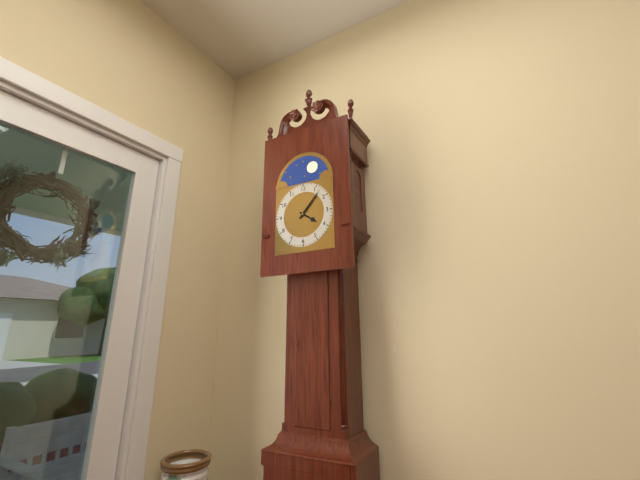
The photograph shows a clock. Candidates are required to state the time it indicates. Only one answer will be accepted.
4:07
